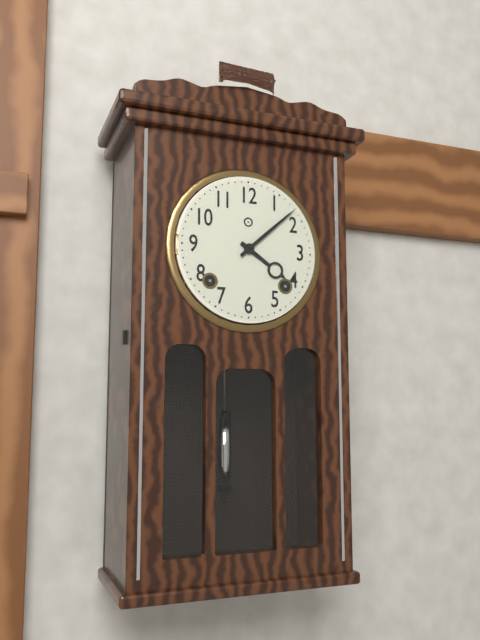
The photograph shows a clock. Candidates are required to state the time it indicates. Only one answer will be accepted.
4:08
